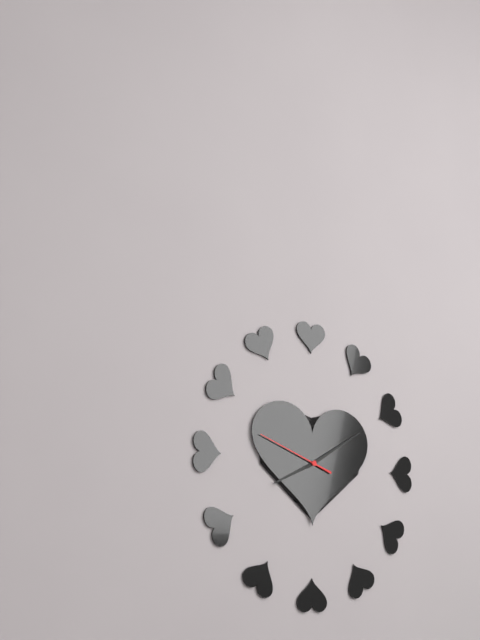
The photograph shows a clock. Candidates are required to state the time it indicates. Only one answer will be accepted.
8:10:48
